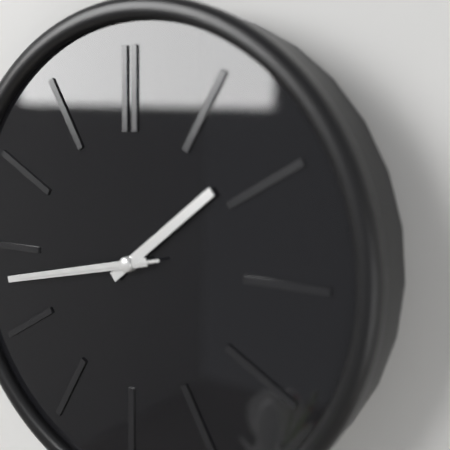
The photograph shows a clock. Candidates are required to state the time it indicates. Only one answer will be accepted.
1:43:43
